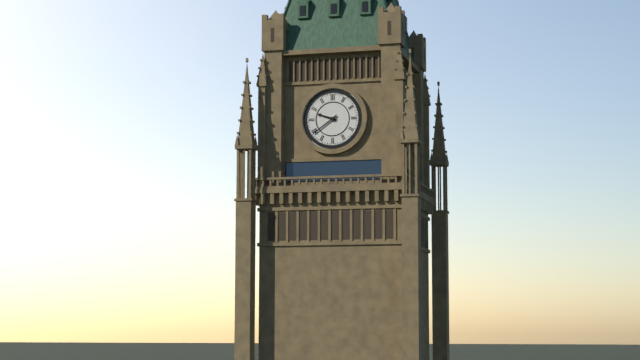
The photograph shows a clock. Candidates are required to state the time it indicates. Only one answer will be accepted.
9:39
